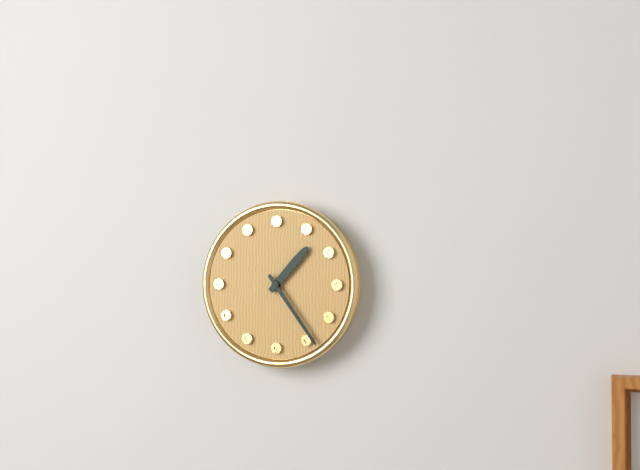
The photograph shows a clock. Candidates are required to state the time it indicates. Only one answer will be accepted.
1:24
